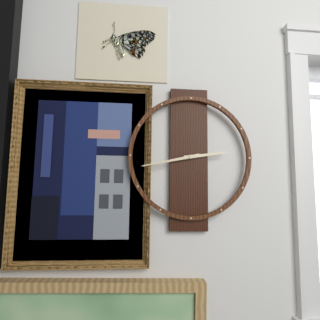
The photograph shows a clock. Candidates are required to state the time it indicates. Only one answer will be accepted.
2:43
